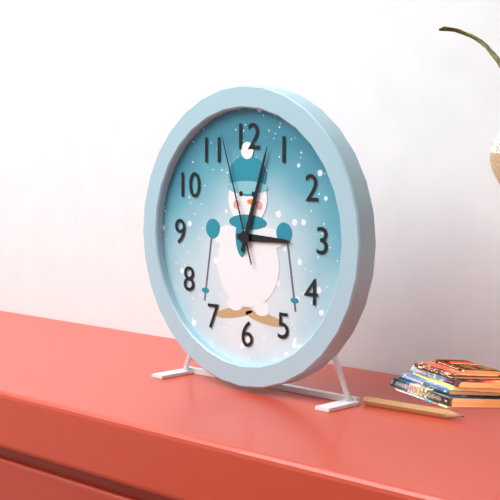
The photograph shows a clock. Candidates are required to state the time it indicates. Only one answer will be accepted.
3:03:57
